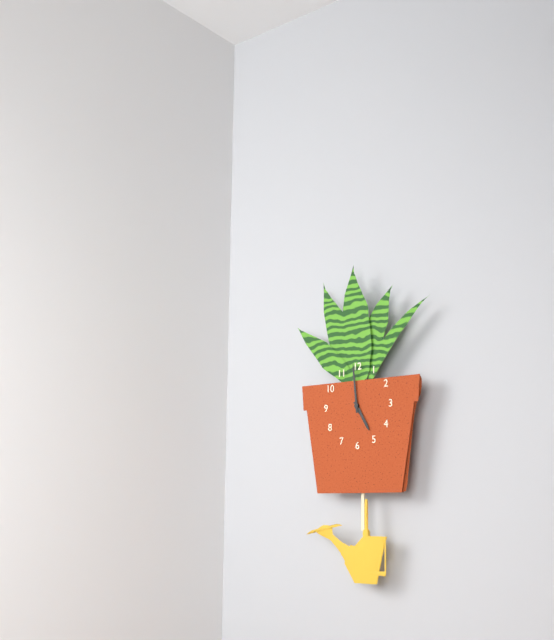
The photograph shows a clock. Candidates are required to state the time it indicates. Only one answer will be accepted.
4:59
